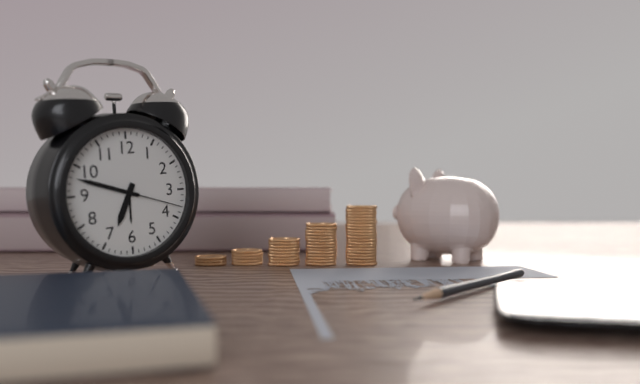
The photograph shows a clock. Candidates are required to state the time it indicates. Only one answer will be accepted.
6:48:18
